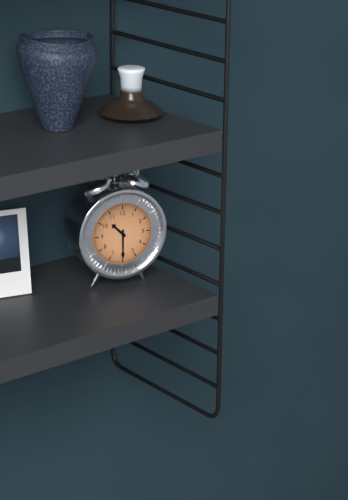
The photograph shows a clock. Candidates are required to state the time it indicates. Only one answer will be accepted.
10:30
